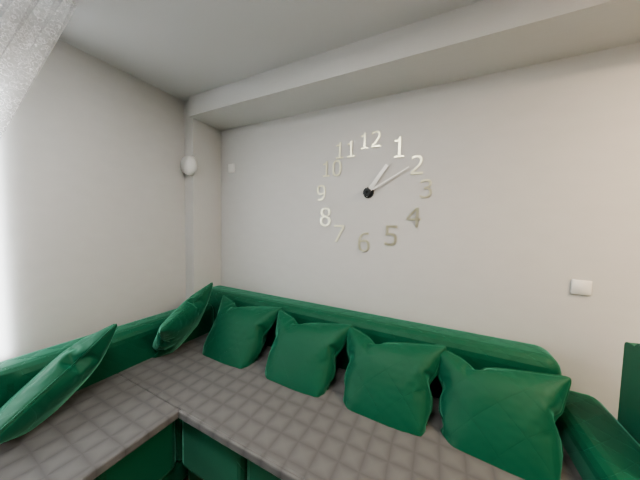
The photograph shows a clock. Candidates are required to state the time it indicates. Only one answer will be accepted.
1:10
